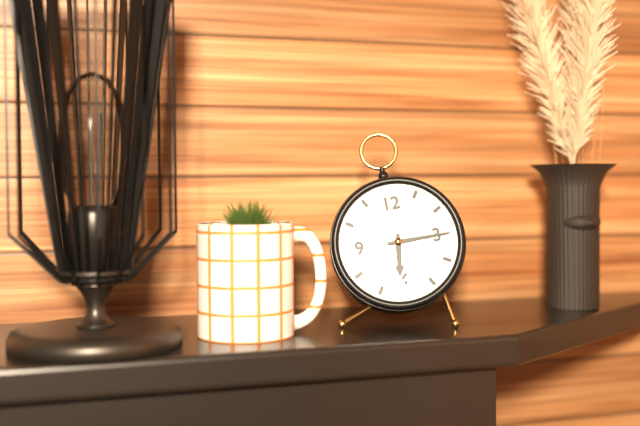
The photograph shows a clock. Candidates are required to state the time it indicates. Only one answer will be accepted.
6:15
